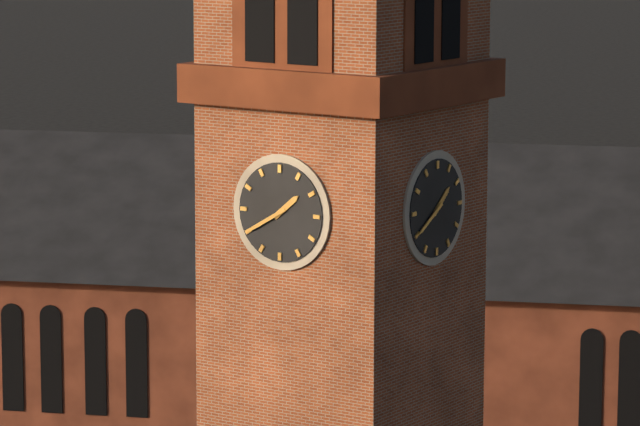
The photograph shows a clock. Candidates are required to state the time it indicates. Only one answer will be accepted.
1:40
